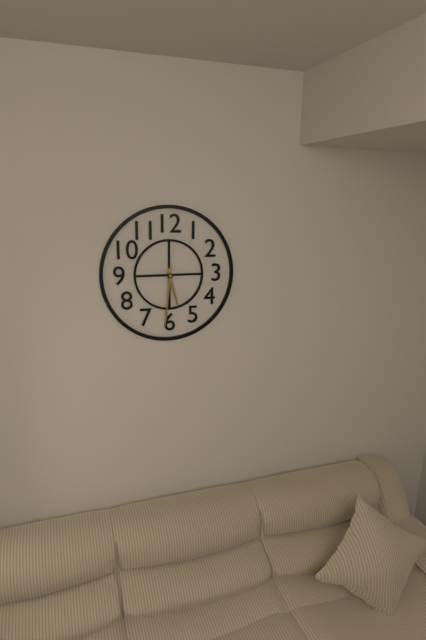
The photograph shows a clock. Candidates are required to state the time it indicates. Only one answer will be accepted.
5:31
